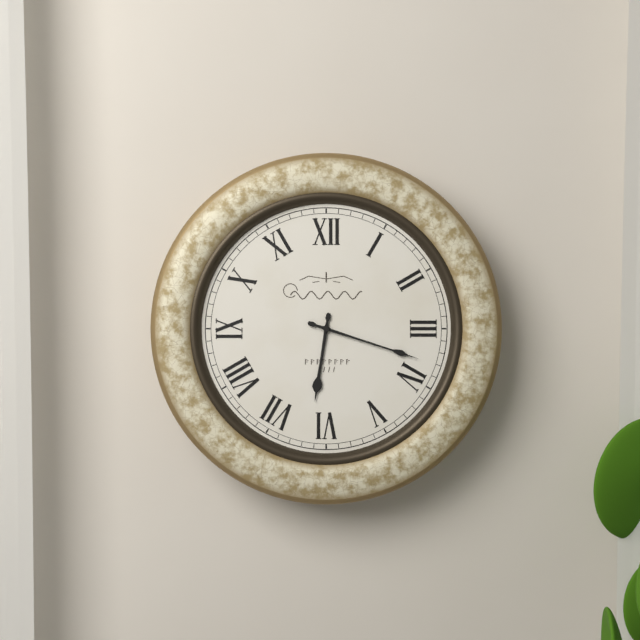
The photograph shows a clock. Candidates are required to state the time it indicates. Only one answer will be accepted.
6:18
